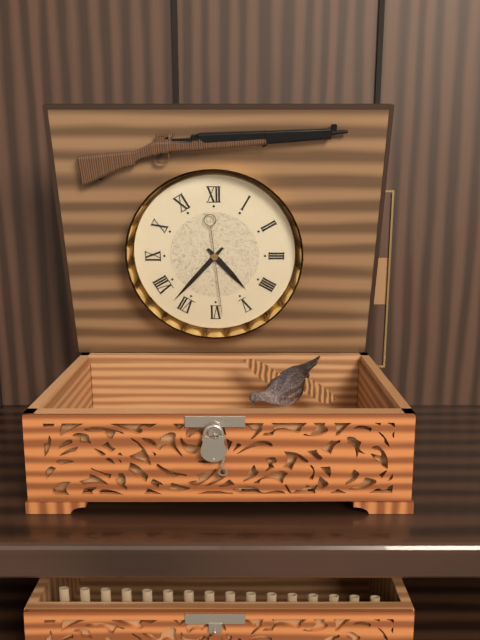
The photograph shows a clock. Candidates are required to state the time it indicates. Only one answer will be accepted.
4:37:29
